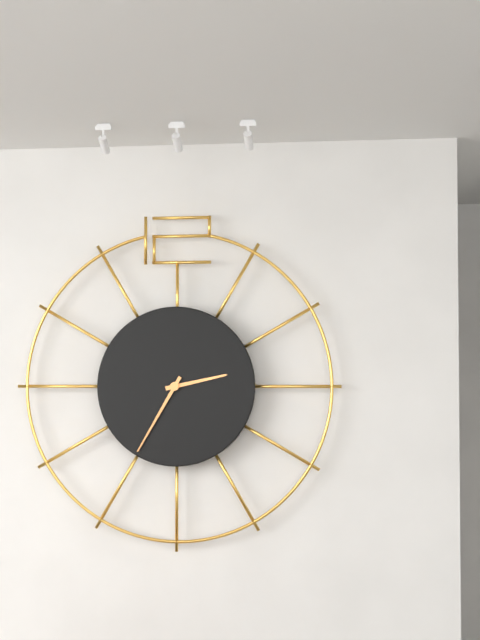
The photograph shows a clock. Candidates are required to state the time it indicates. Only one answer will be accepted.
2:35
